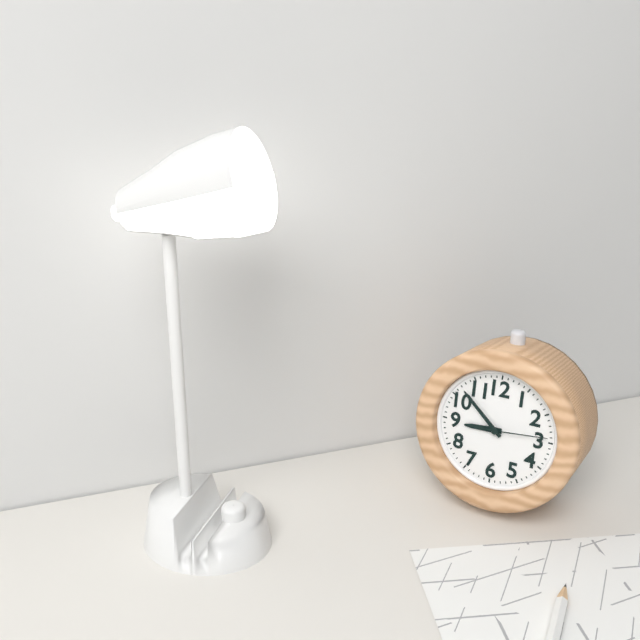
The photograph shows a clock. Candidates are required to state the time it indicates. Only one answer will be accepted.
8:52:14
